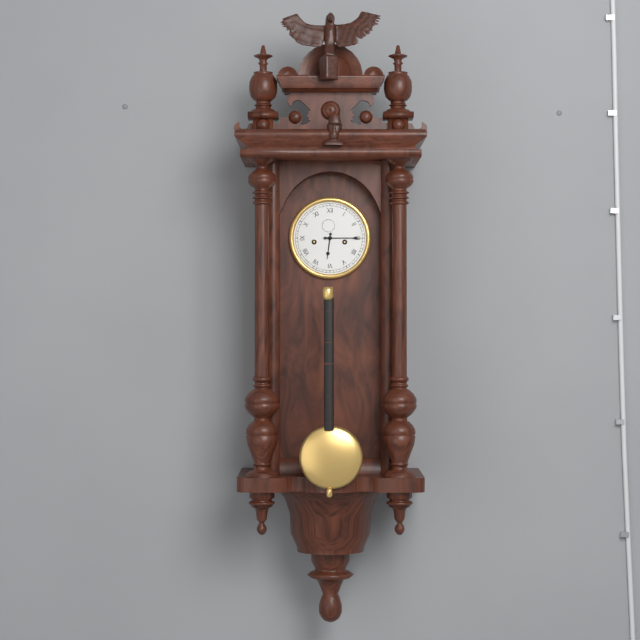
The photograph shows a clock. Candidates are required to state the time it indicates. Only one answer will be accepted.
6:15
